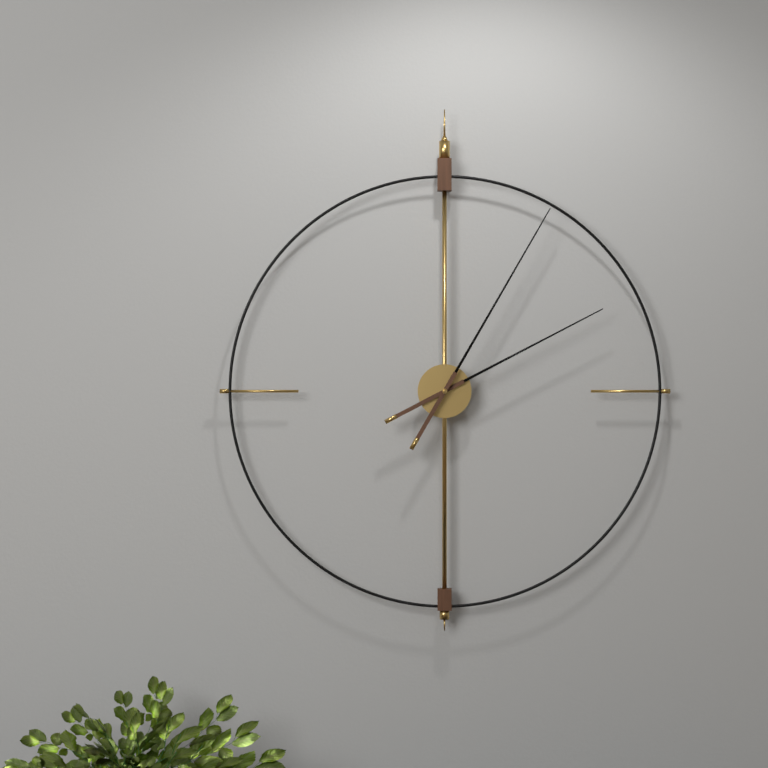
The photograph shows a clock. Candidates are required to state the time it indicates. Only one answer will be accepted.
2:05
